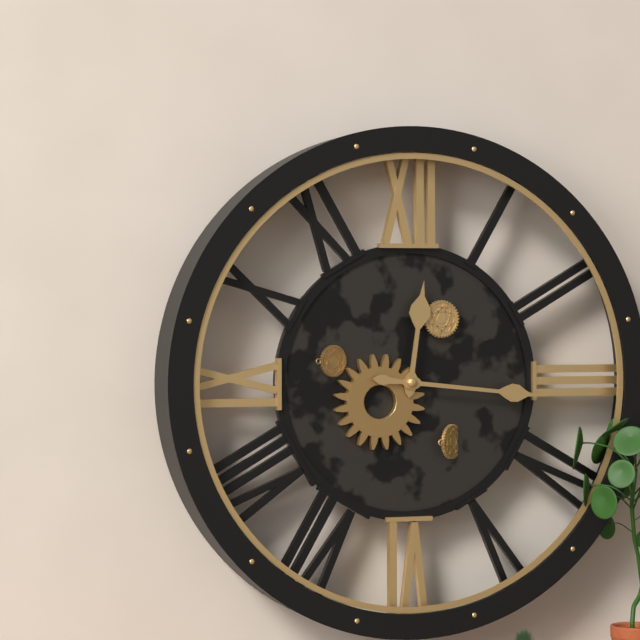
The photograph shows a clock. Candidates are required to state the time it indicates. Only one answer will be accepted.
12:16
